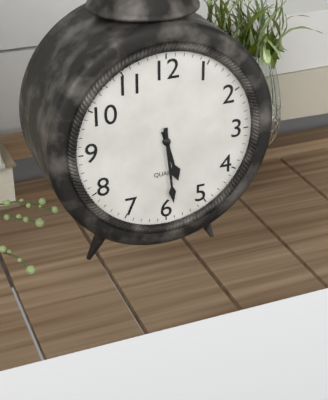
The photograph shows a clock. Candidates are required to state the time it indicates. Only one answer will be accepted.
5:29
